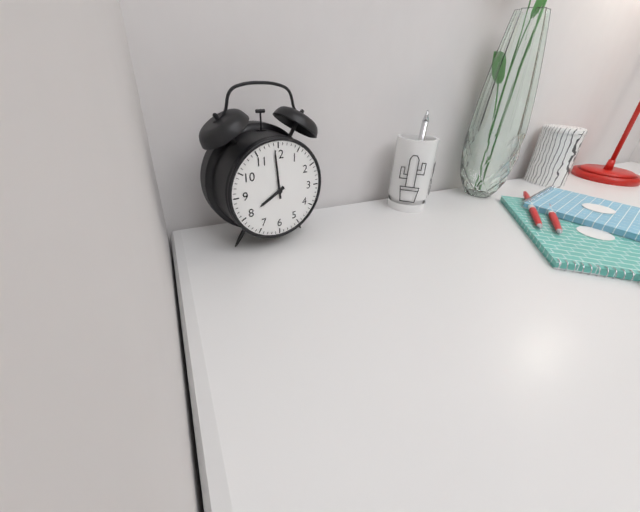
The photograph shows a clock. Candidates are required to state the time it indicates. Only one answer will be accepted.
7:59
